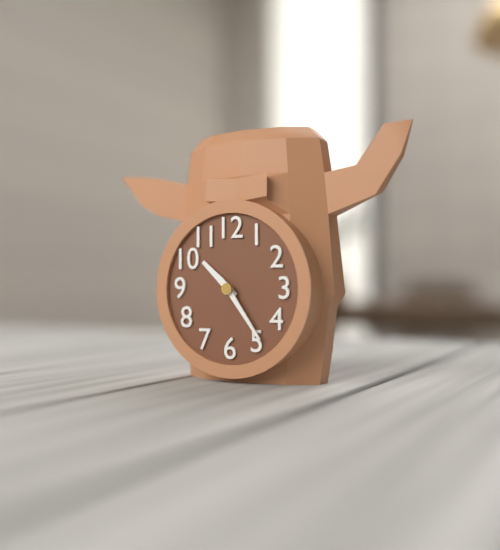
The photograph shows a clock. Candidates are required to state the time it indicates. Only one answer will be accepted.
10:24
